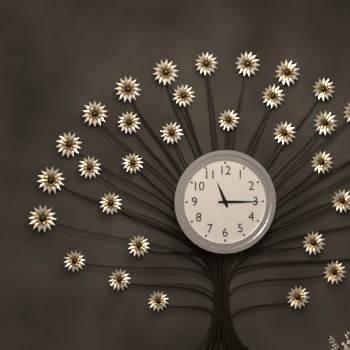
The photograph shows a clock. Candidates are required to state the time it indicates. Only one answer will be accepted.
11:15
